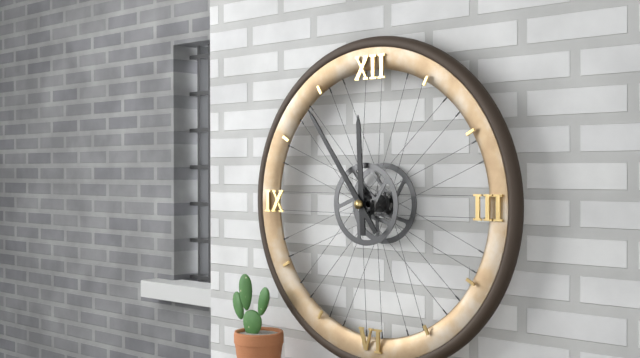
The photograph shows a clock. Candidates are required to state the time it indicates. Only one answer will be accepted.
11:54
